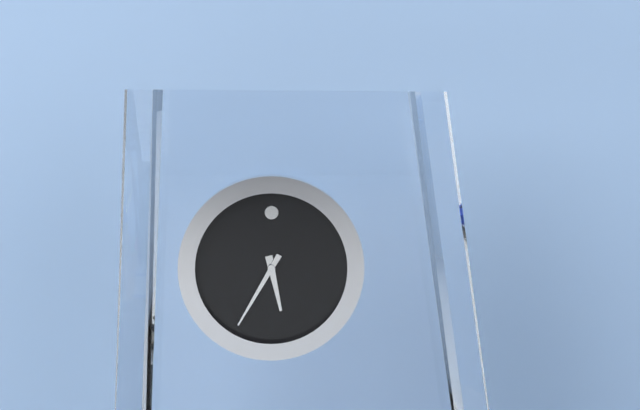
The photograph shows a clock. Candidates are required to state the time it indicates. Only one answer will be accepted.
5:35
